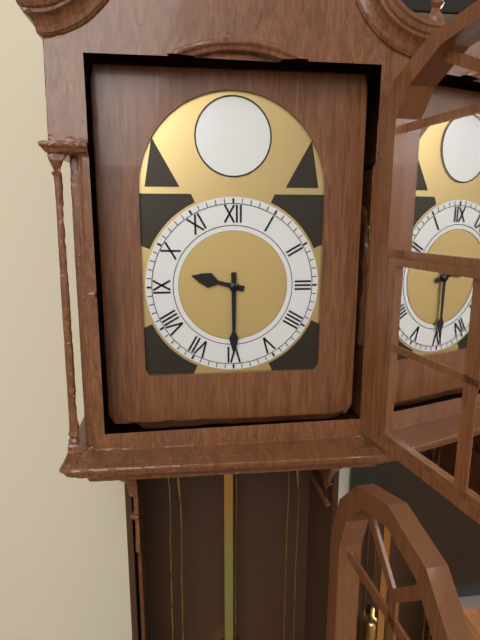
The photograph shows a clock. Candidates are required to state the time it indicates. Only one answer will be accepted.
9:30
